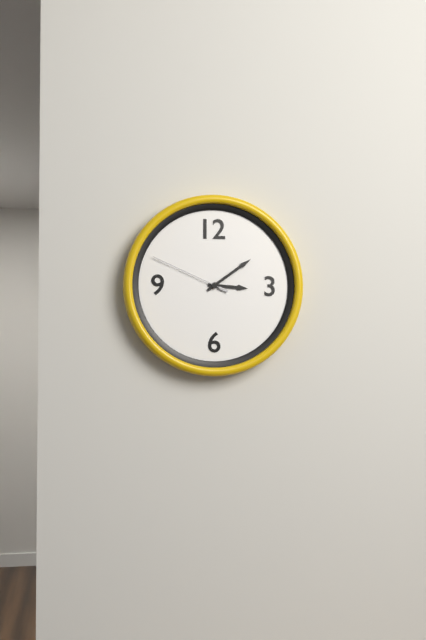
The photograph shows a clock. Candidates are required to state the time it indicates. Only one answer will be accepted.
3:09:49
